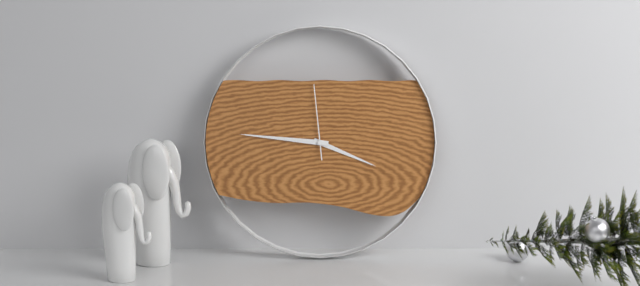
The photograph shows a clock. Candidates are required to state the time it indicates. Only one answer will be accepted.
3:46:59
